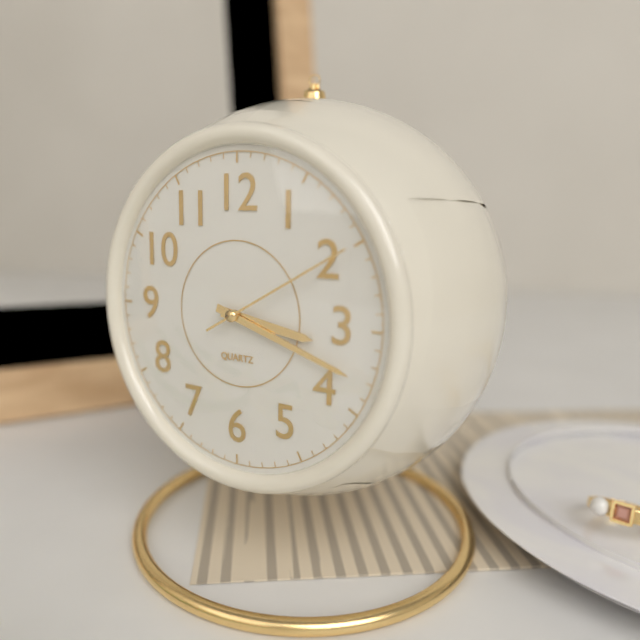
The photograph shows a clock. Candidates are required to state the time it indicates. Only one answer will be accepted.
3:18:10
